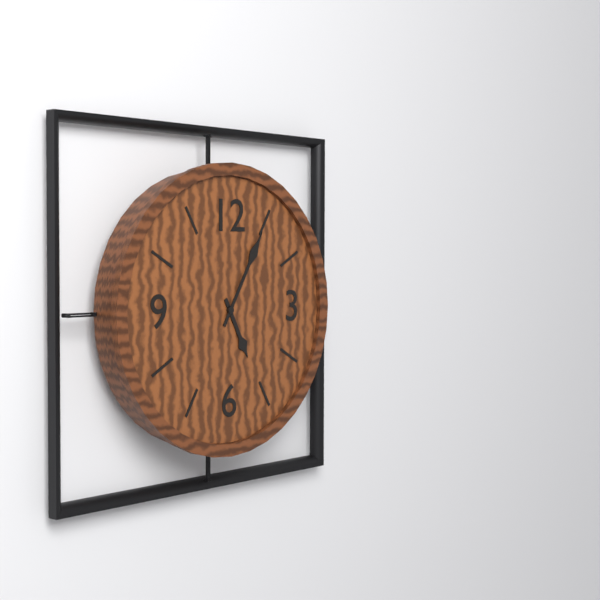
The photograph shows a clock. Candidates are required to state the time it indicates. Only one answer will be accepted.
5:05
